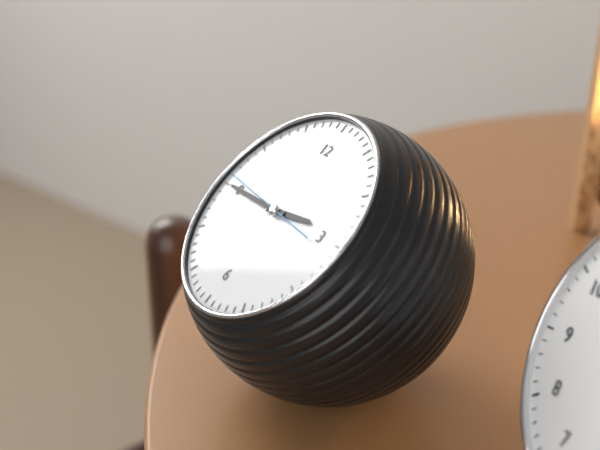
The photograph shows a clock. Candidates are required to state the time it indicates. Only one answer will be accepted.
2:45:46
